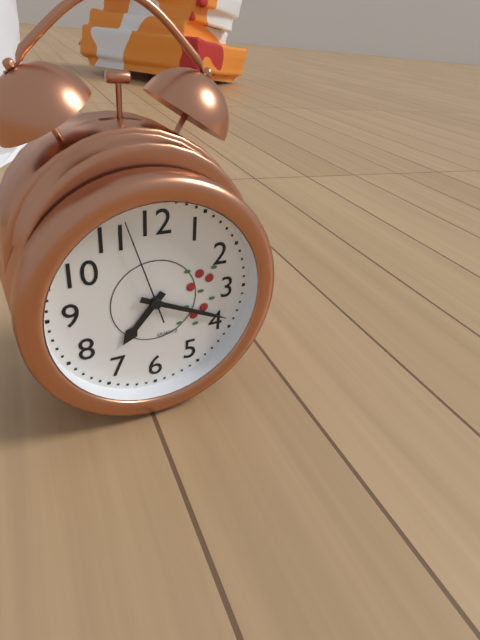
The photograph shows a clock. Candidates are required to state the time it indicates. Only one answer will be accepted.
7:19:57
